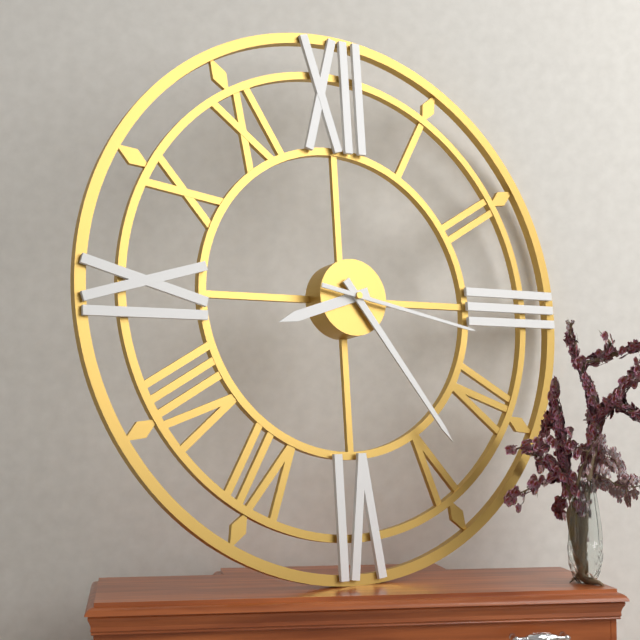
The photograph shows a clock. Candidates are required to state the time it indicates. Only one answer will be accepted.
8:24:17
